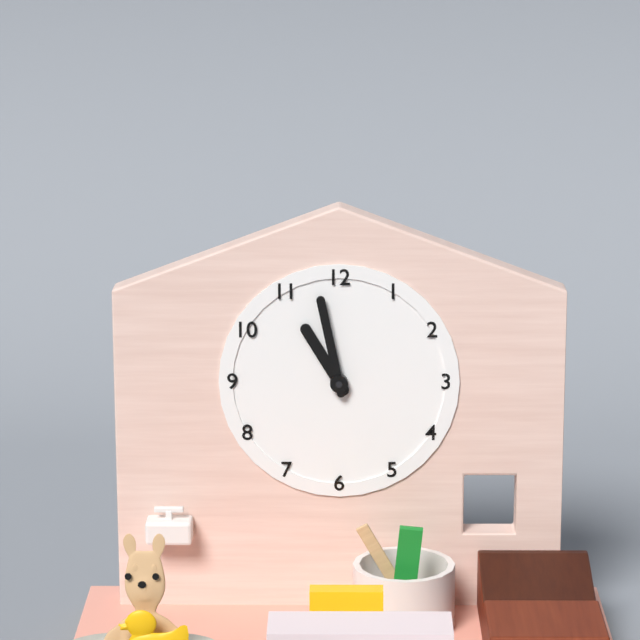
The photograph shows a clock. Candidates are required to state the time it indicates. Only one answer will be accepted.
10:58
